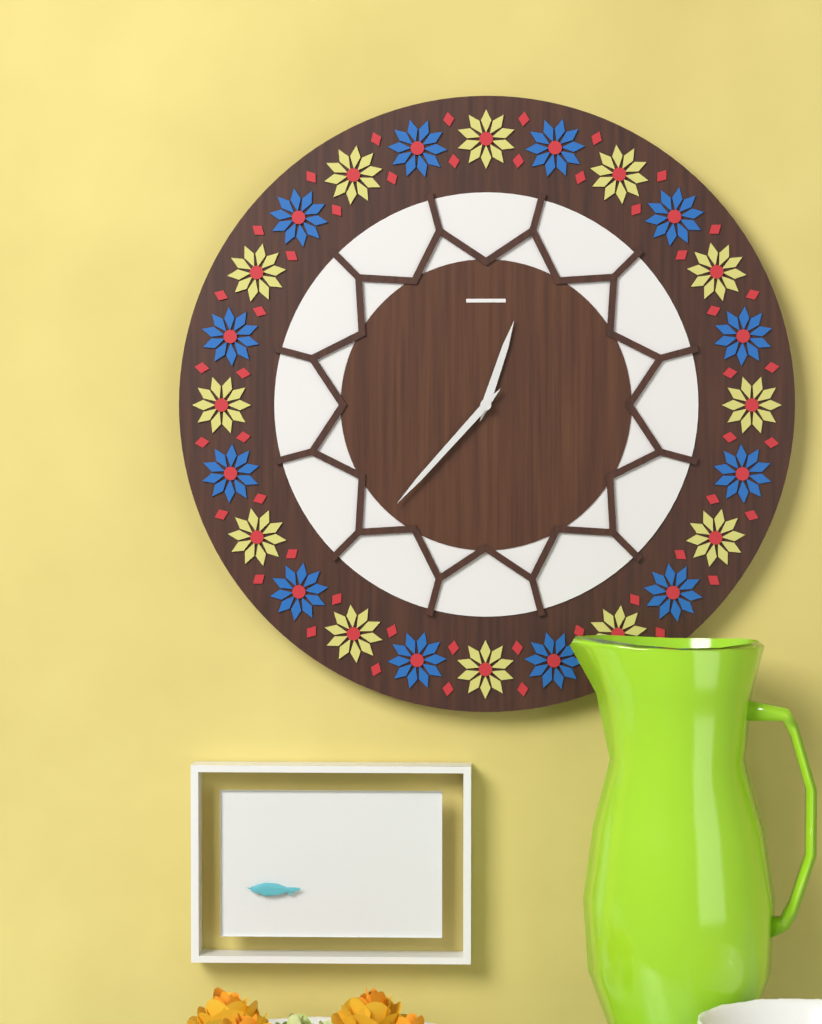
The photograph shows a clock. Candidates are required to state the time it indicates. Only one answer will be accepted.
12:37
